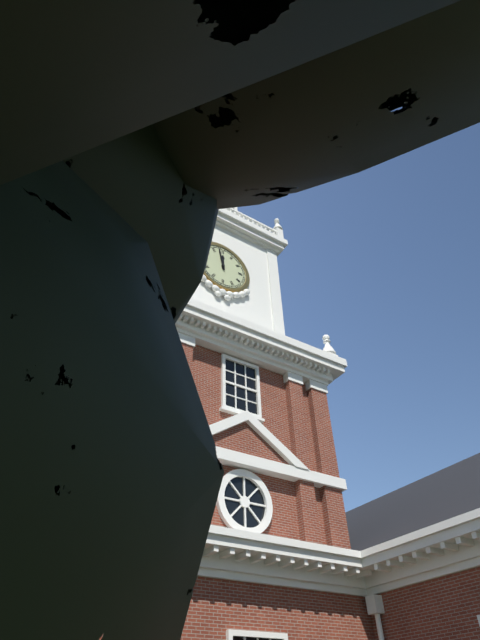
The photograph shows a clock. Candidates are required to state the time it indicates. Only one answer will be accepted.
11:58
